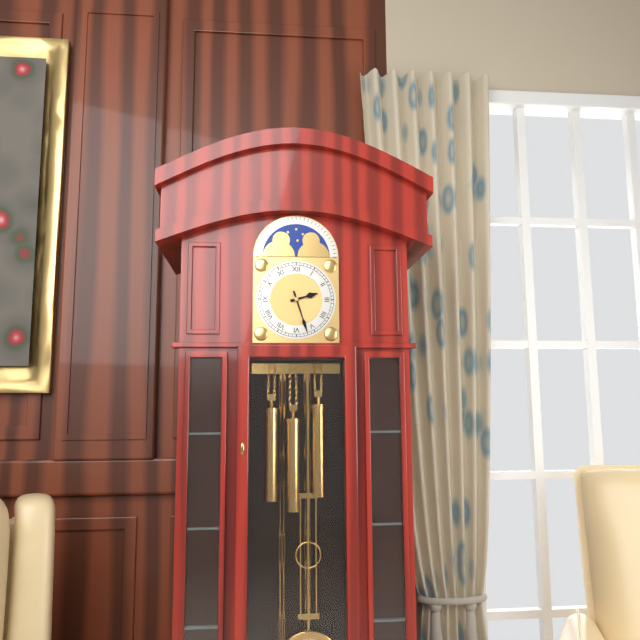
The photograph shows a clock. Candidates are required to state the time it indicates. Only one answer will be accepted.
2:27
